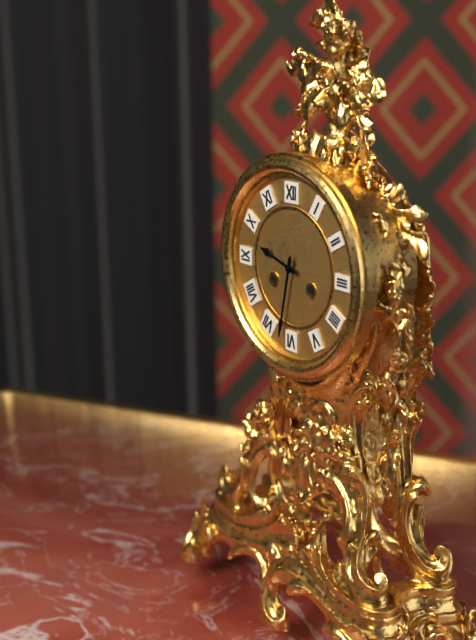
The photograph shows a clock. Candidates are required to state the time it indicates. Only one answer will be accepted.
9:32
